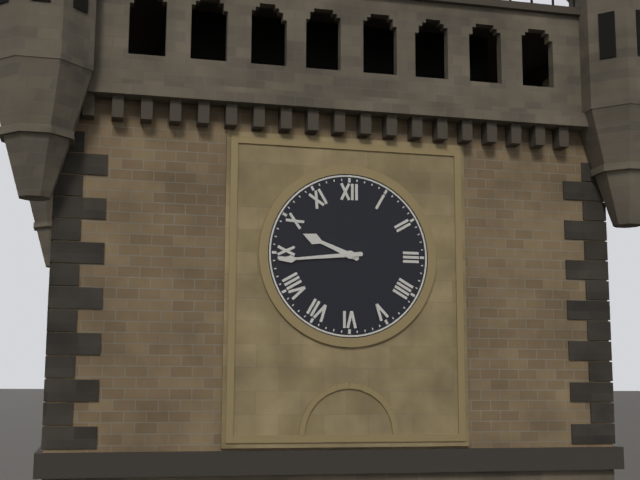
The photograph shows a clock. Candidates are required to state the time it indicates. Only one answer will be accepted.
9:44
